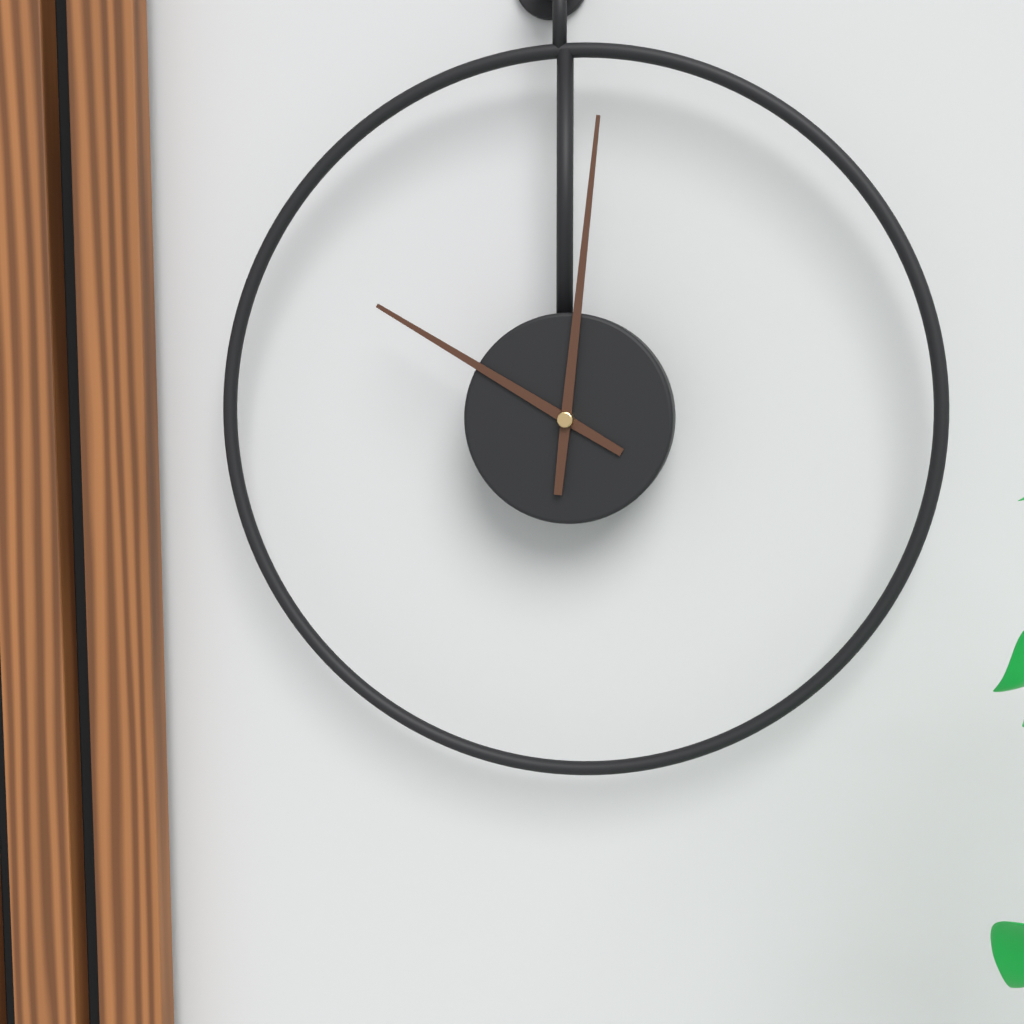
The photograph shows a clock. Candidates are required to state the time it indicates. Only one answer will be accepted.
10:01
